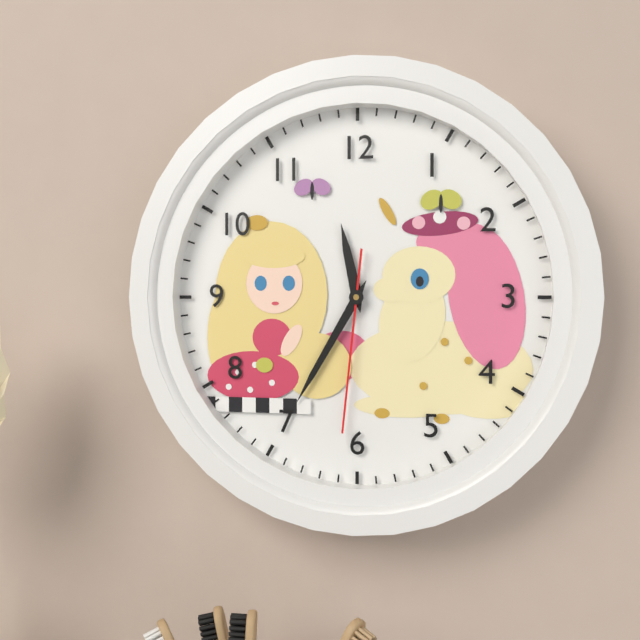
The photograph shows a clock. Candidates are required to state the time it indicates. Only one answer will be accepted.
11:35:31
